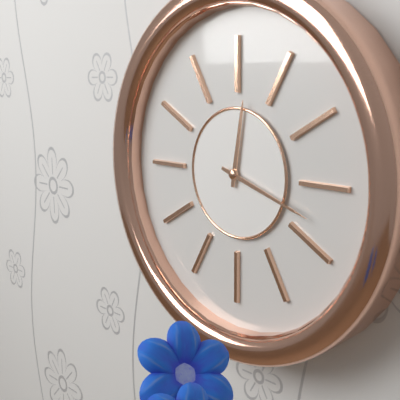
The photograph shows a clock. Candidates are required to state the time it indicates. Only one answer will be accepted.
12:18
